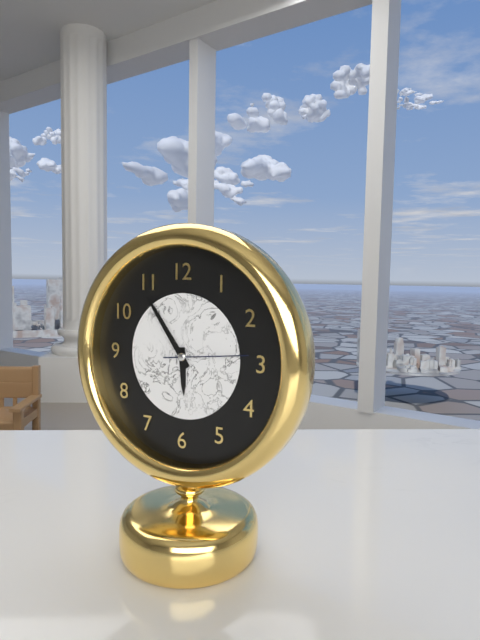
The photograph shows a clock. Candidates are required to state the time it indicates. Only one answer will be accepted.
5:54:14
